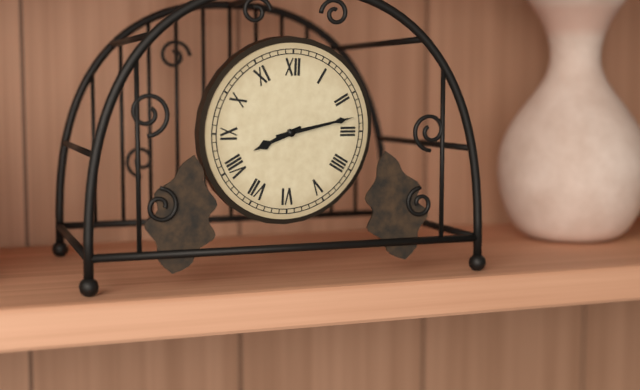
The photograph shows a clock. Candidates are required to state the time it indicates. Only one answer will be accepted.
8:13
